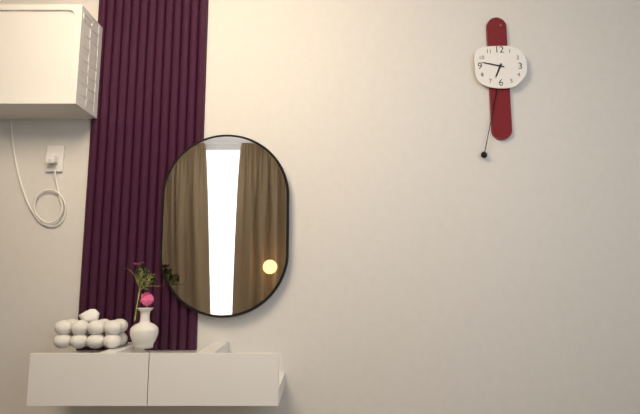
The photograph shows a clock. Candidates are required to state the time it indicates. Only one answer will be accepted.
6:47
